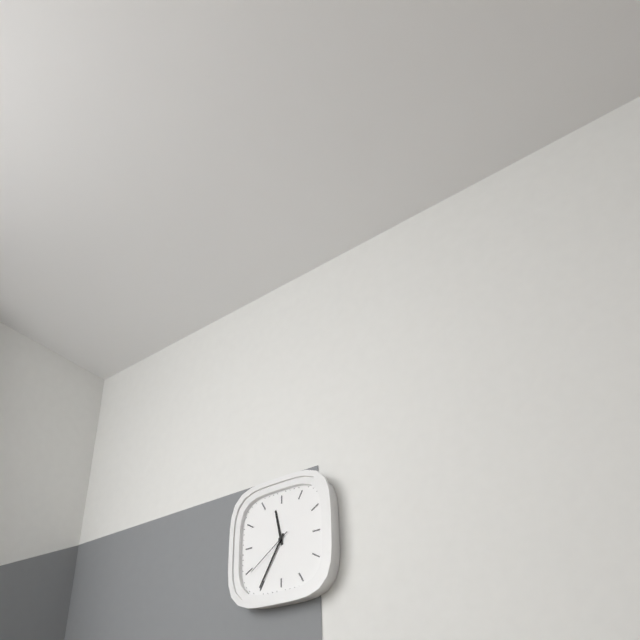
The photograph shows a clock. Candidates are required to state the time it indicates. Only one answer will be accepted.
11:35:39
